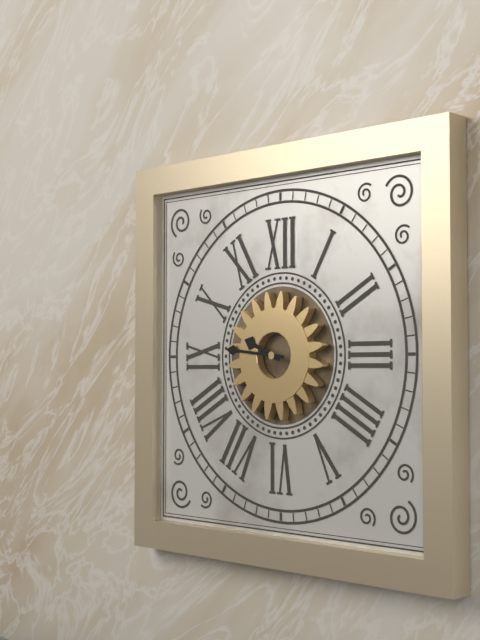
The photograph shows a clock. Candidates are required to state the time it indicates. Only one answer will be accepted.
9:46
